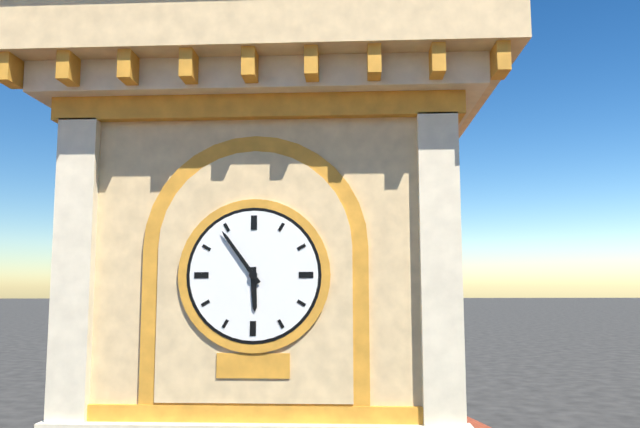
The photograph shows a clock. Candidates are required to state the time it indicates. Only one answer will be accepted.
5:54
